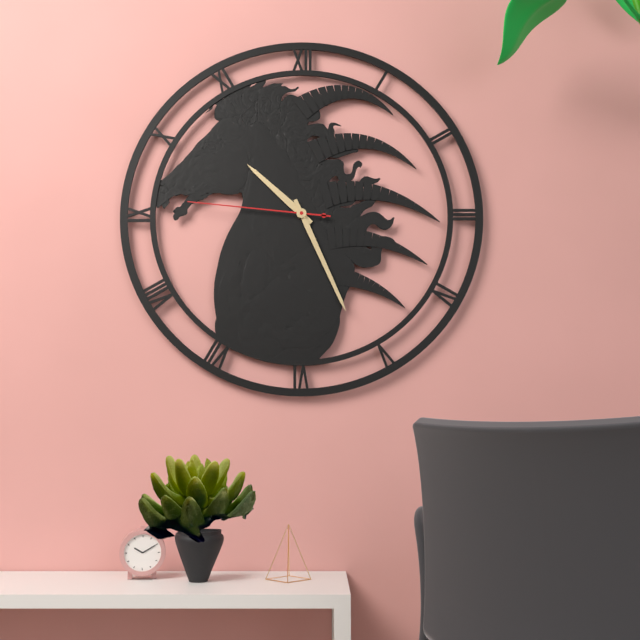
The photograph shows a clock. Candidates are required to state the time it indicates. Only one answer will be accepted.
10:26:46
